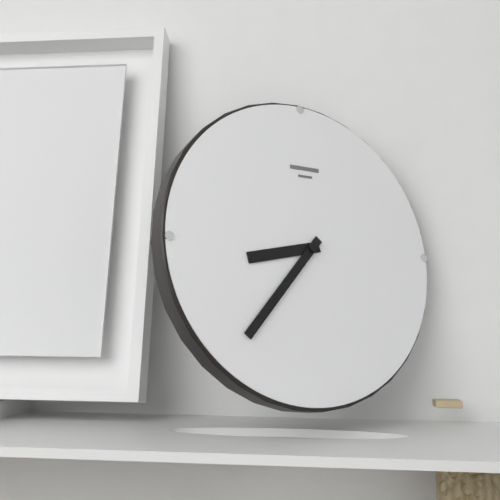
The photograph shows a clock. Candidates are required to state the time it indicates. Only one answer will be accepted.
8:37
